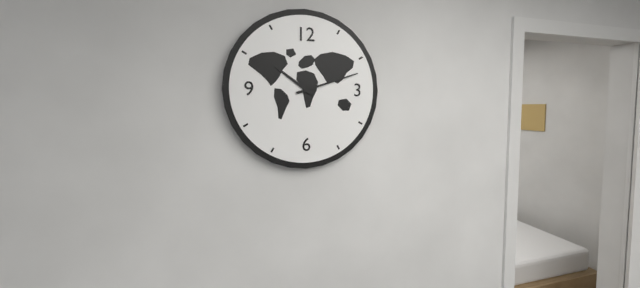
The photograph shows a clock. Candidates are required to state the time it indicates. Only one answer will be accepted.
10:12
